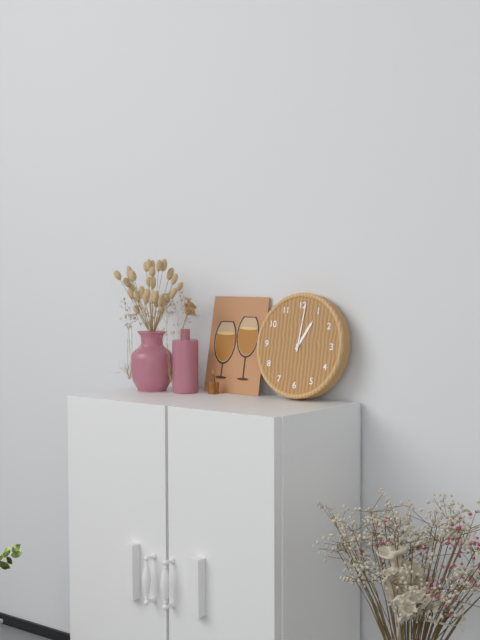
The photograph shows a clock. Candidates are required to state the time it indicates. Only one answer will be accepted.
1:01
